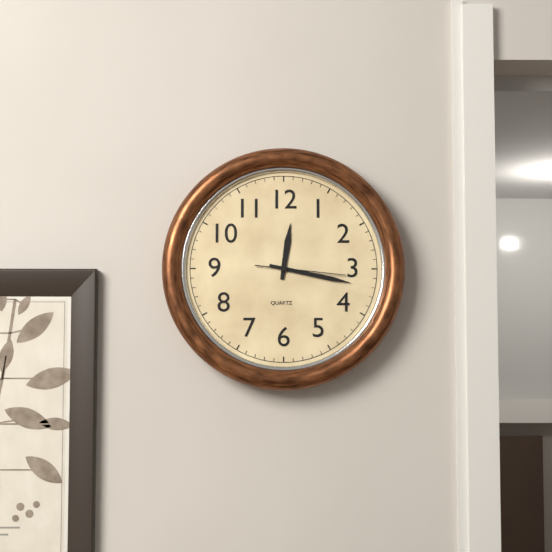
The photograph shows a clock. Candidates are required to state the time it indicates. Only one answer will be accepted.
12:17:16
